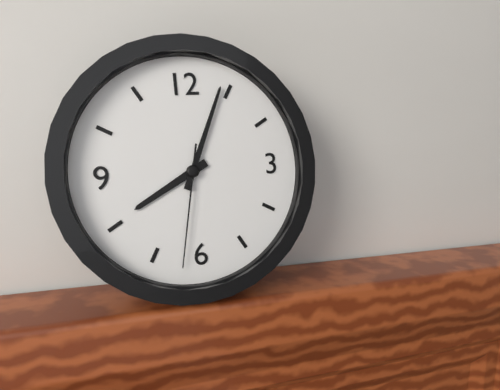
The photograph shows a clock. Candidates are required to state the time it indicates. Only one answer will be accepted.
8:04:32
